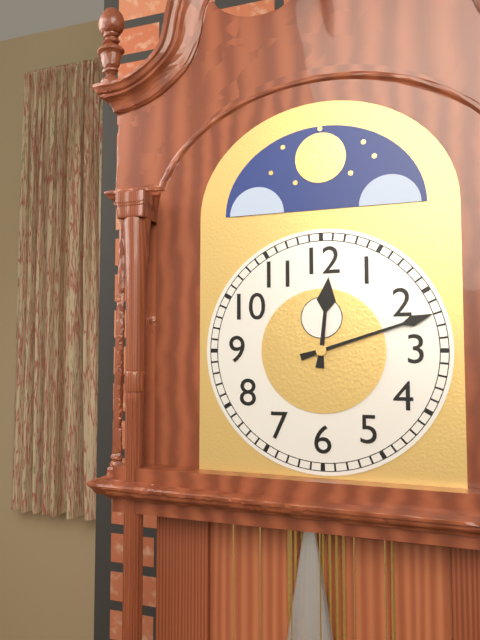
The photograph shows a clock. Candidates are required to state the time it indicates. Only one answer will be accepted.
12:12
